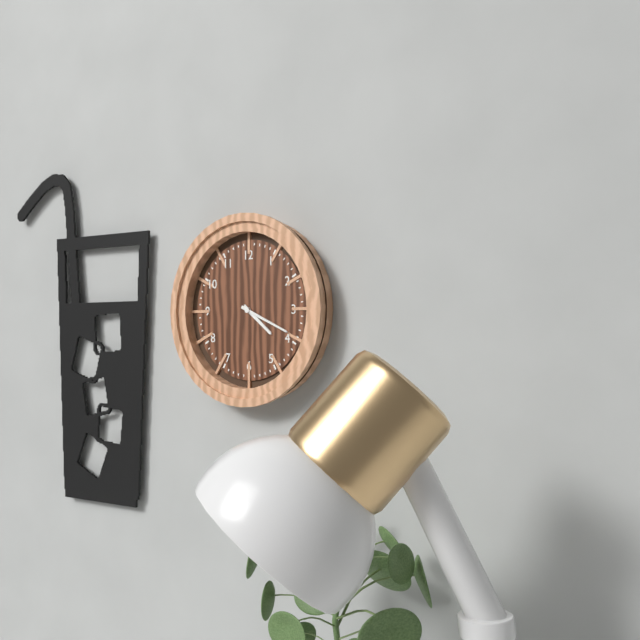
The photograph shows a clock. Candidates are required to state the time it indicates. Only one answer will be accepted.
4:19
